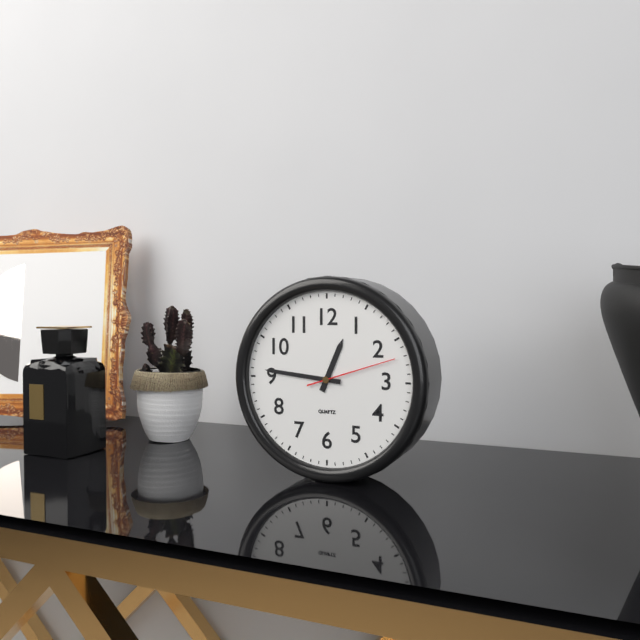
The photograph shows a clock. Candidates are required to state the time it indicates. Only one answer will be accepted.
12:46:12
